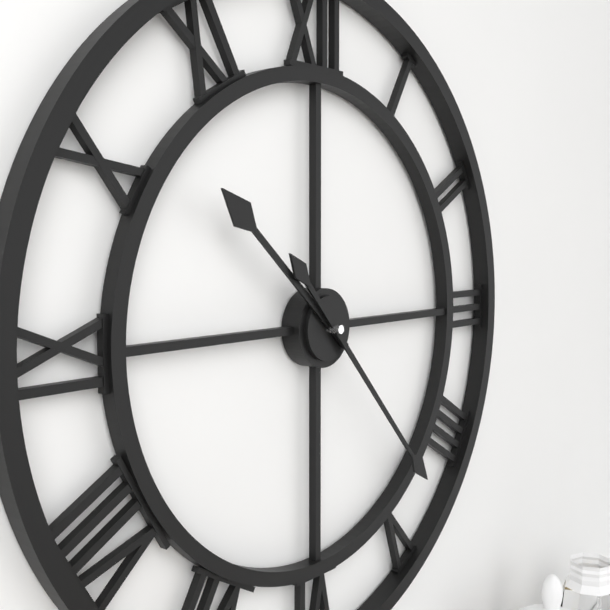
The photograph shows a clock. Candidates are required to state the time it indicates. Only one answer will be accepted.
10:23
